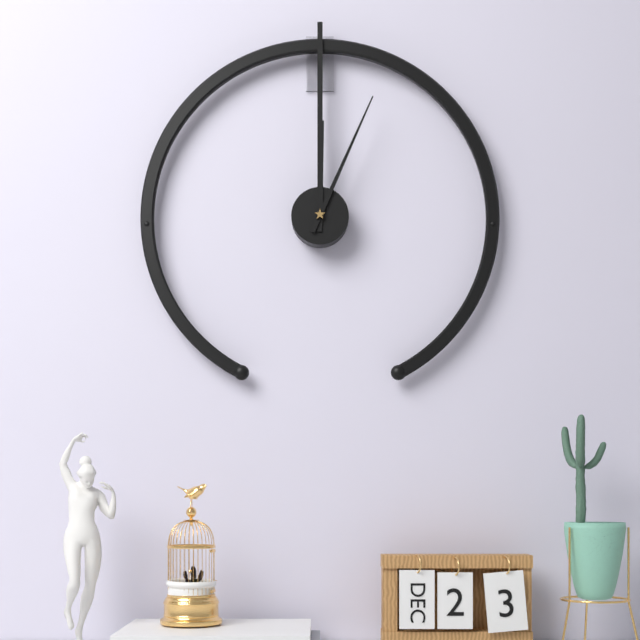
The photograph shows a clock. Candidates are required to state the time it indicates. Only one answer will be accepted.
12:04
